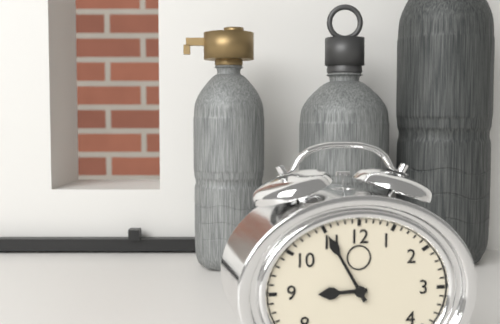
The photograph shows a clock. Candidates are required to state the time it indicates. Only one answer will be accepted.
8:55
